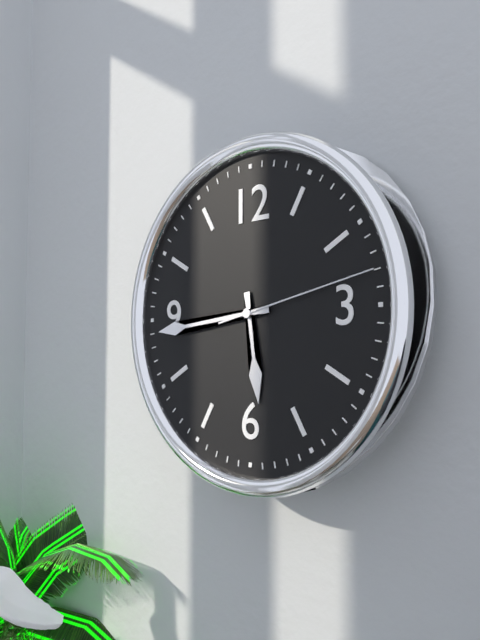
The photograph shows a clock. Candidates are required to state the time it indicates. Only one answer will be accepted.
5:44:13
